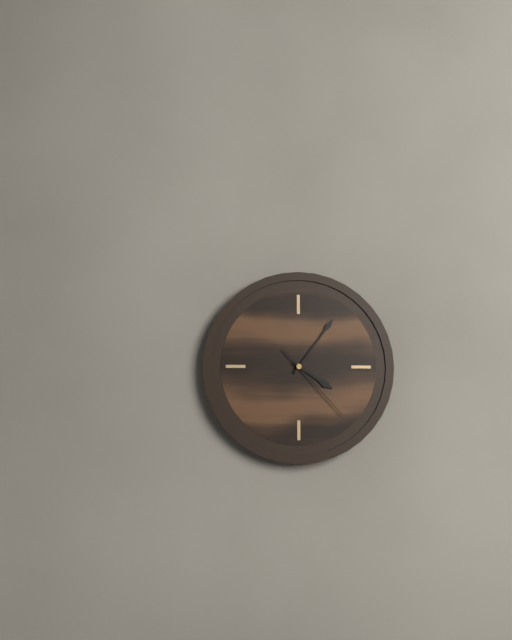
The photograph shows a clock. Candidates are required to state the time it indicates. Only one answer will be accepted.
4:06:23
